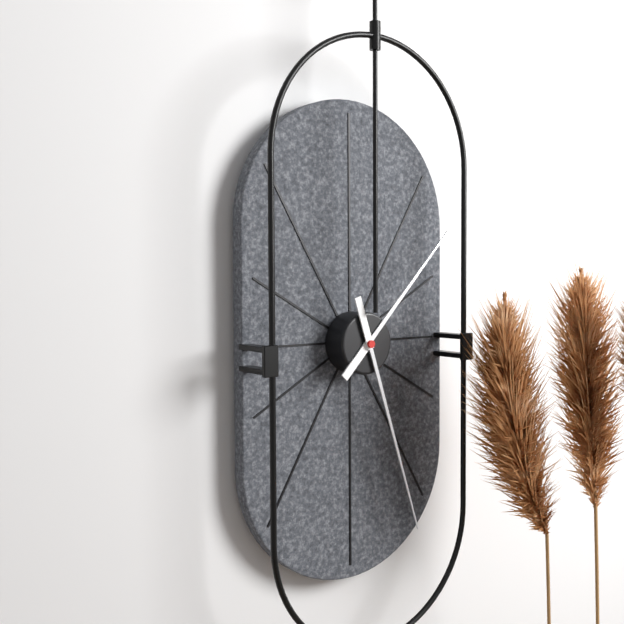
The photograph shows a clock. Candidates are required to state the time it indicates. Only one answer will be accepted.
1:27
